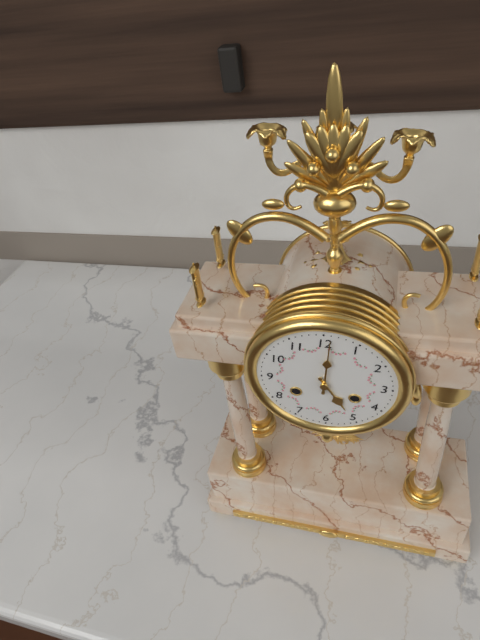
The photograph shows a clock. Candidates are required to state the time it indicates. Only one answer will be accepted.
5:01
